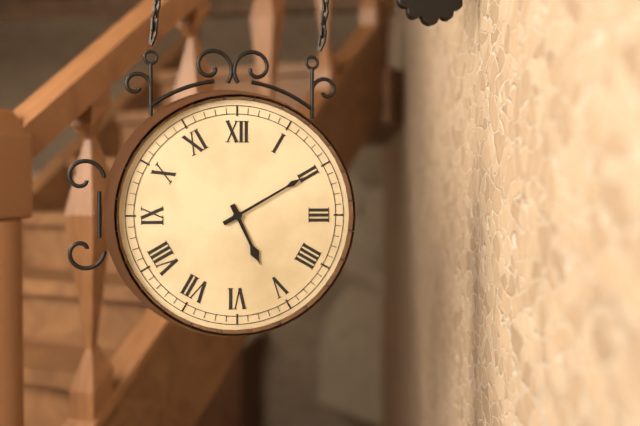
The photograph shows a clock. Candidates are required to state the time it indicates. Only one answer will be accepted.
5:10
